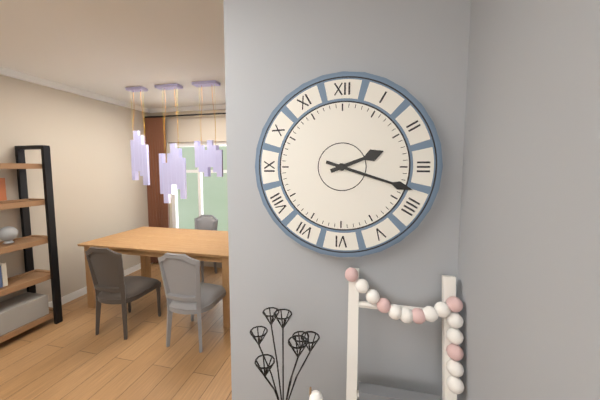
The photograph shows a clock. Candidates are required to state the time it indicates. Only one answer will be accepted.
2:18
